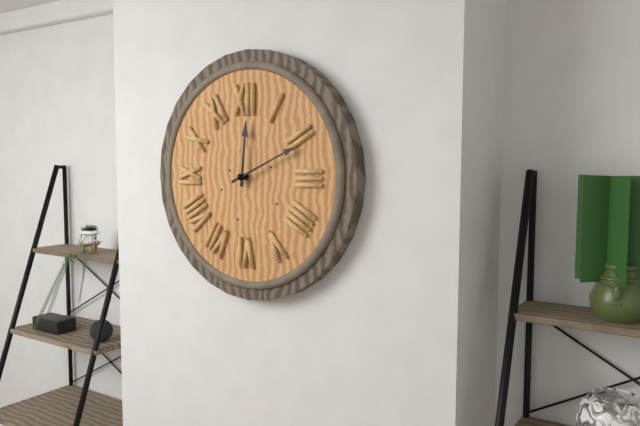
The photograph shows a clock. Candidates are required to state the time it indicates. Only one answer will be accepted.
12:11
